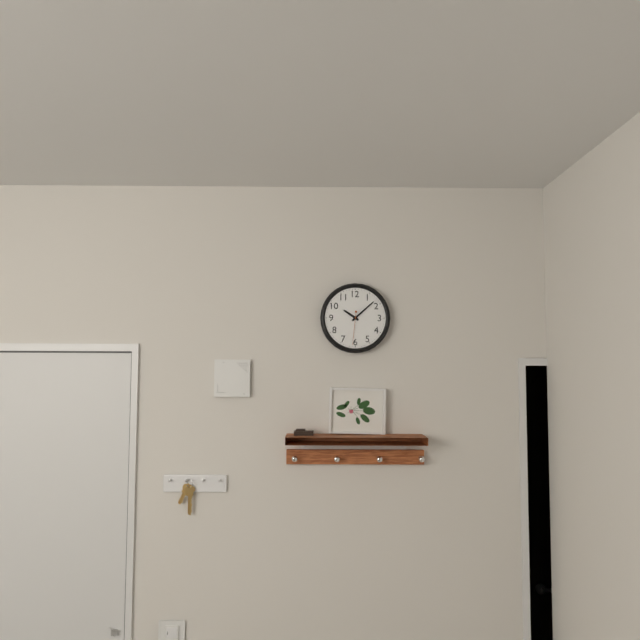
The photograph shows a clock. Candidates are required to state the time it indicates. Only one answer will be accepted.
10:08
